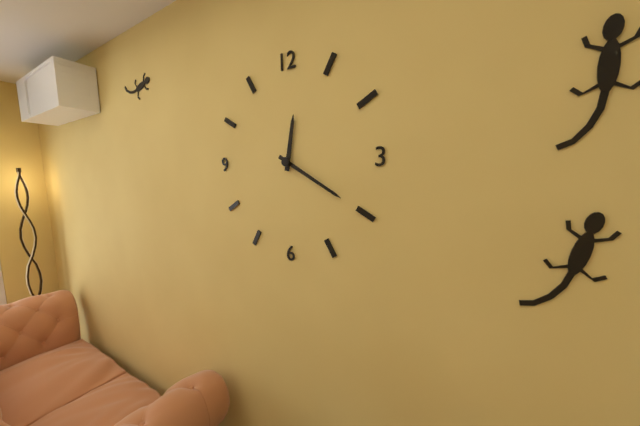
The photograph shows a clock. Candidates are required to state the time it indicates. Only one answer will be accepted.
12:20
